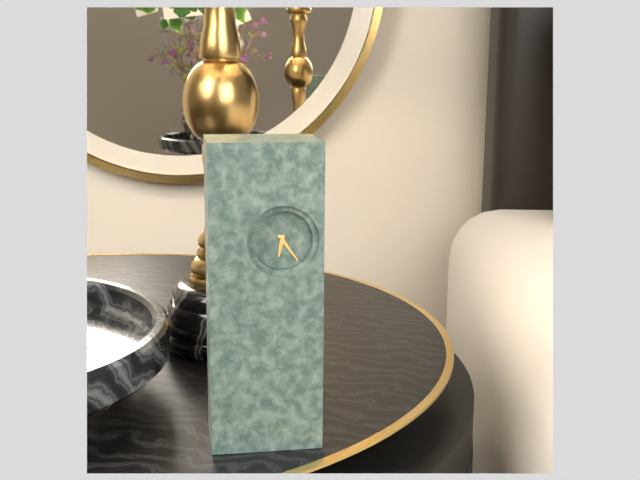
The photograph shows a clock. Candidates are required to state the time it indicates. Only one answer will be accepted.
6:24
